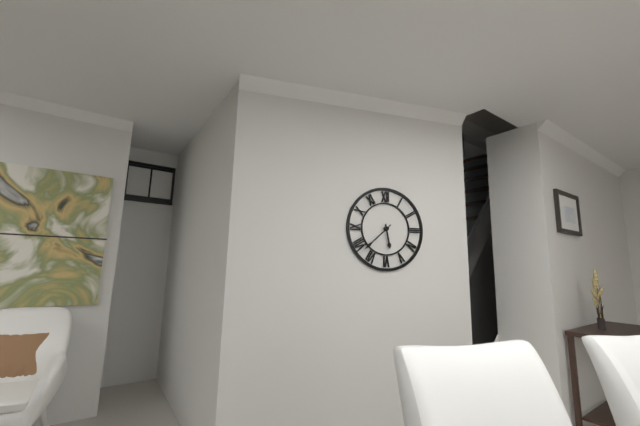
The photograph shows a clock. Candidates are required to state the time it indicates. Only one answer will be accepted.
5:38
